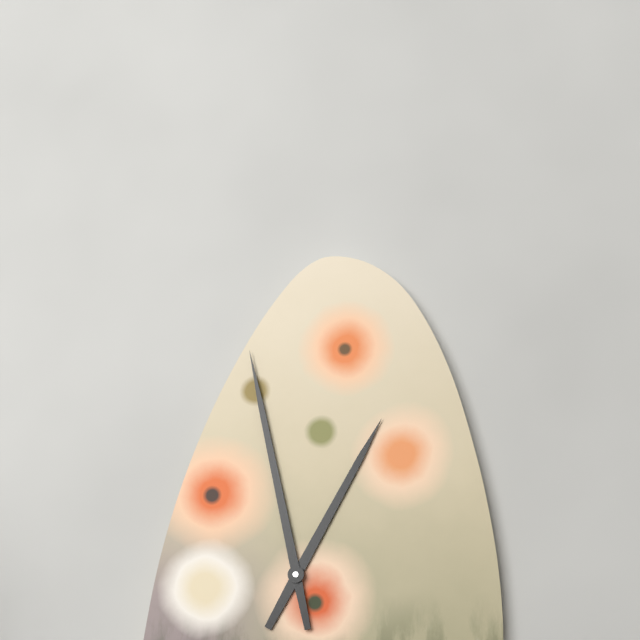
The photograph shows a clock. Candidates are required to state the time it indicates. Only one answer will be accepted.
12:58
